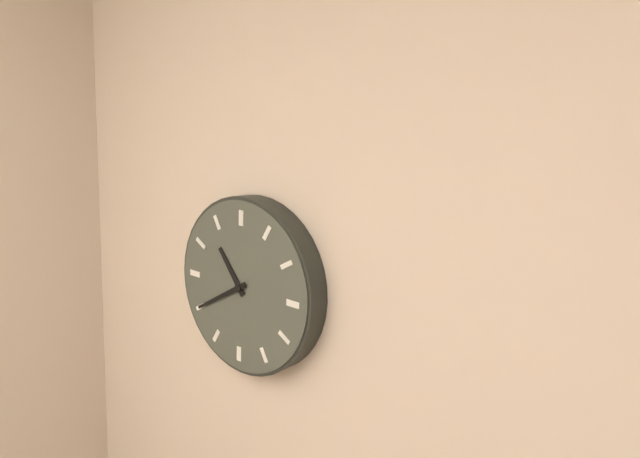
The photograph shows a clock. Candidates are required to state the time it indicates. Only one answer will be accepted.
10:40
